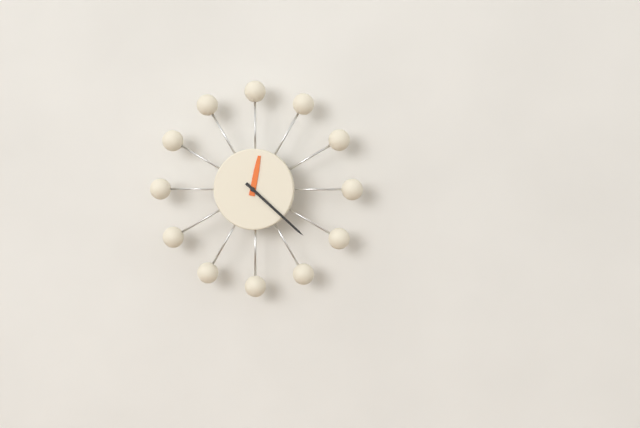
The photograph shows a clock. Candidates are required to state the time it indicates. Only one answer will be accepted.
12:22
